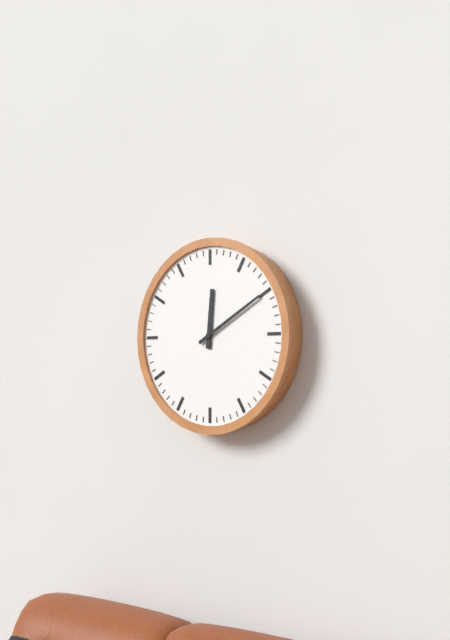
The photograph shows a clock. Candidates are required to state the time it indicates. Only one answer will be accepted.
12:10
